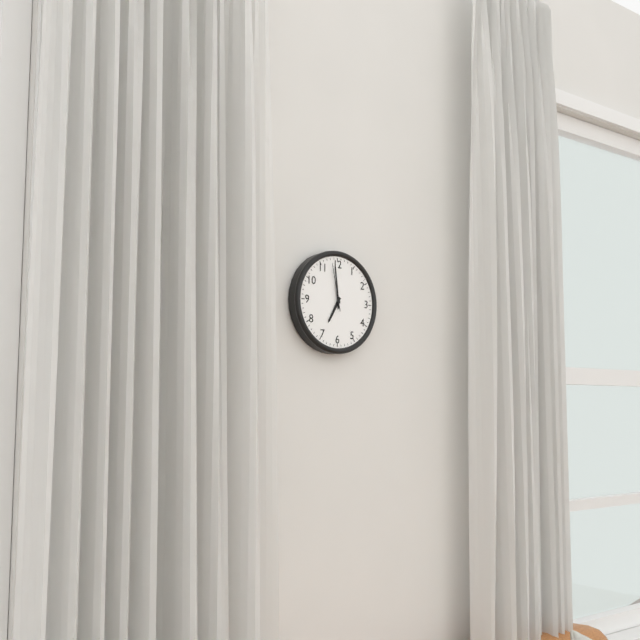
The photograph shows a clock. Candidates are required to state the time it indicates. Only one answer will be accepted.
6:59
